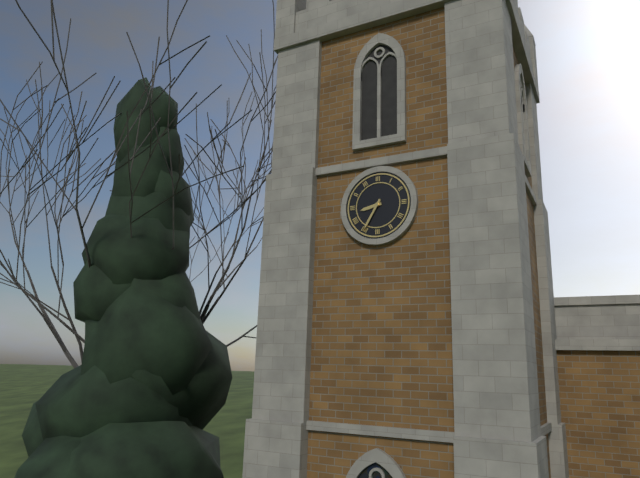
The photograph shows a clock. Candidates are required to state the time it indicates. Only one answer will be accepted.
8:35
